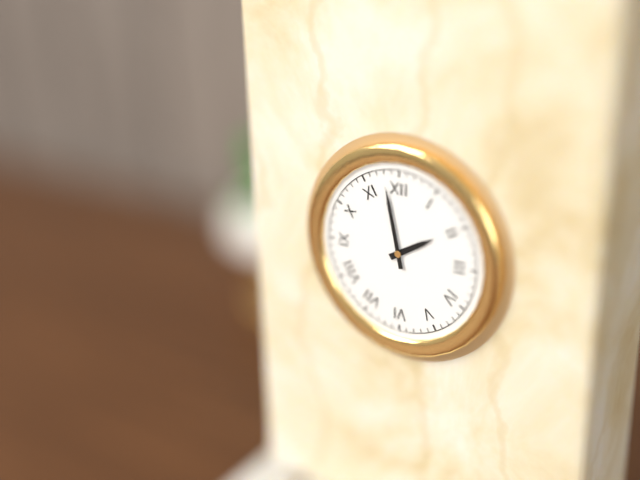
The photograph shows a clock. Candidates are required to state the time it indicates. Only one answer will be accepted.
1:58
